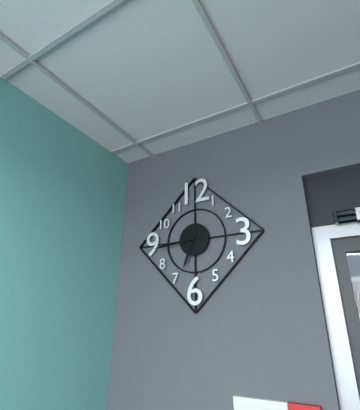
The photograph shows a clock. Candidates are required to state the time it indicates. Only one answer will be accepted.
6:44
